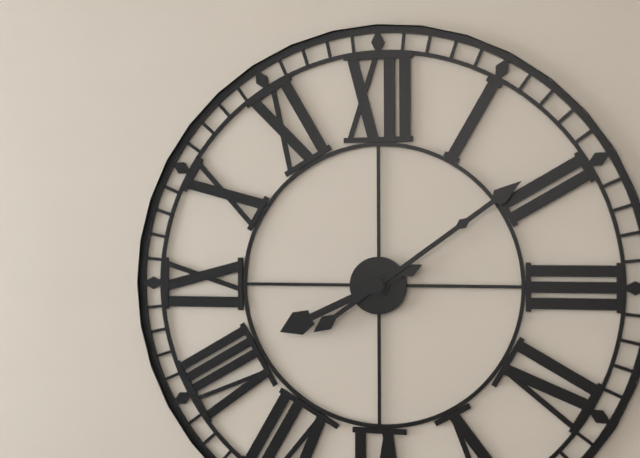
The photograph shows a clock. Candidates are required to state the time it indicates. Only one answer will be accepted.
8:09
